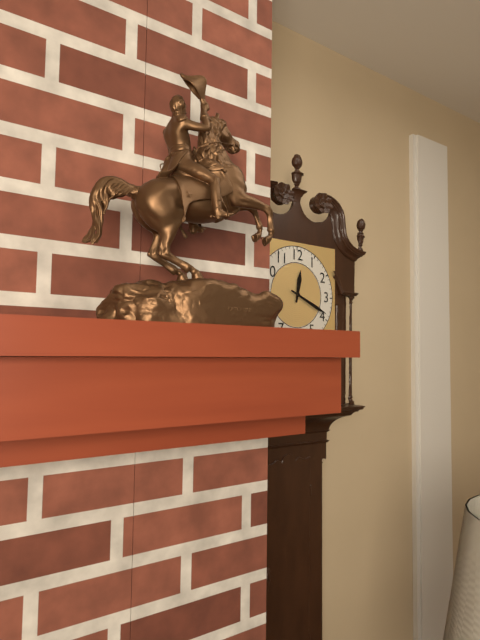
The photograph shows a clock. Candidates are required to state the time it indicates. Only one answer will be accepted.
12:19
